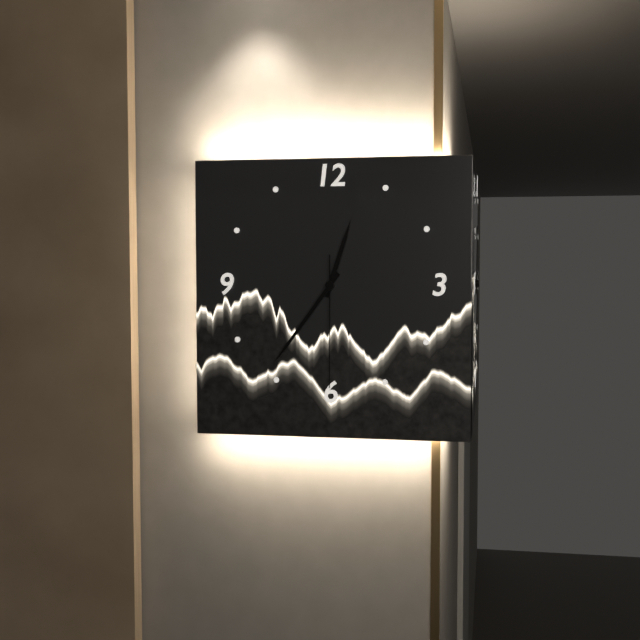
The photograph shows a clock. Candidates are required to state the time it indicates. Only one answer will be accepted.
12:36:30
